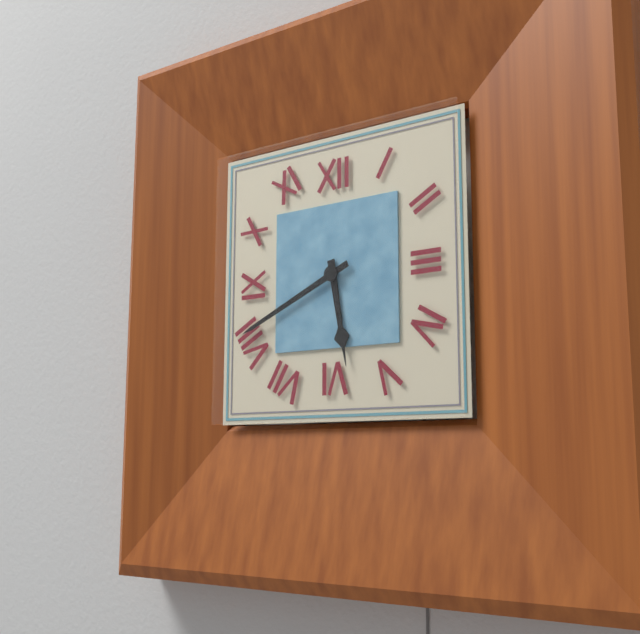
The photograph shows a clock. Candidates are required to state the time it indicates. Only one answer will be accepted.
5:41
